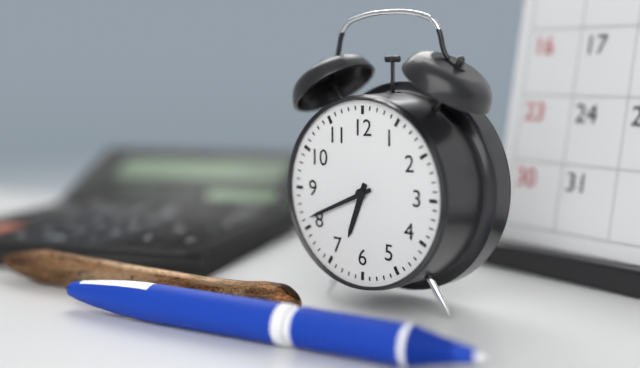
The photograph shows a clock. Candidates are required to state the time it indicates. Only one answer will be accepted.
6:41
